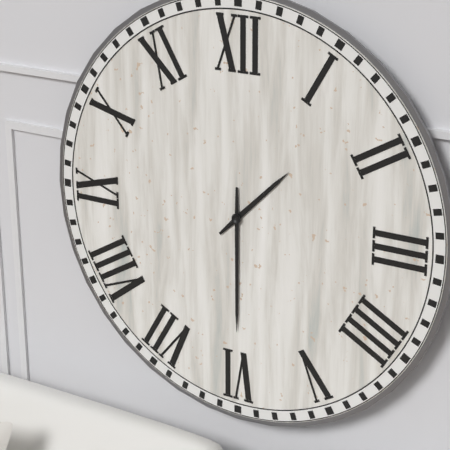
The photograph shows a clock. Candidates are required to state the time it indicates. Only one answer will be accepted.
1:30
